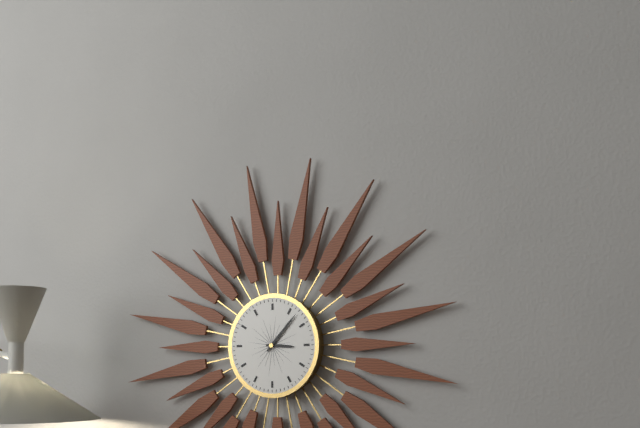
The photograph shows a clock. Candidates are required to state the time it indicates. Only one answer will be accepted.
3:07
